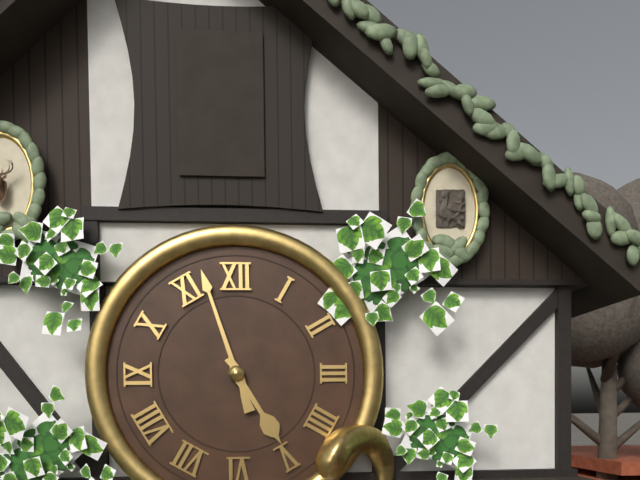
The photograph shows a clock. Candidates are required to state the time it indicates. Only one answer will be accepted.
4:57
